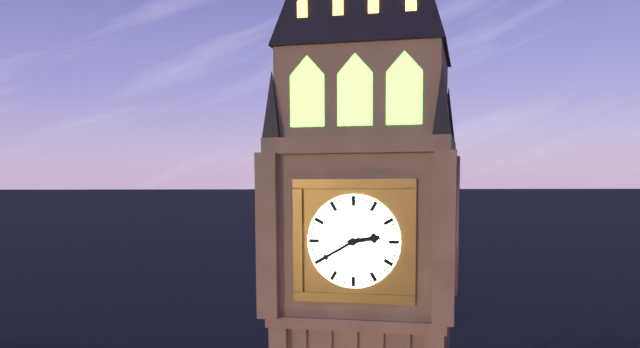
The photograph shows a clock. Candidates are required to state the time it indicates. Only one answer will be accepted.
2:40
